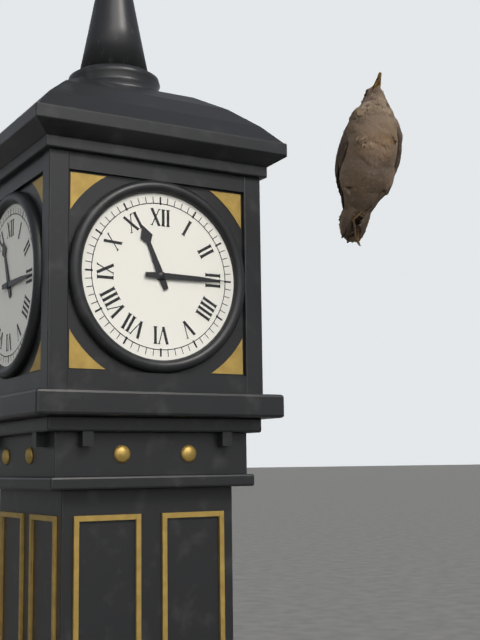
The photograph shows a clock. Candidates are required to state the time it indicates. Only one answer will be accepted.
11:15
